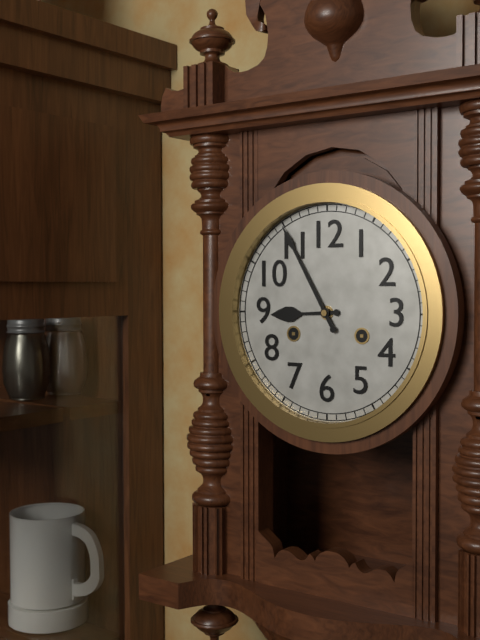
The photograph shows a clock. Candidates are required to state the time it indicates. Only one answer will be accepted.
8:55
